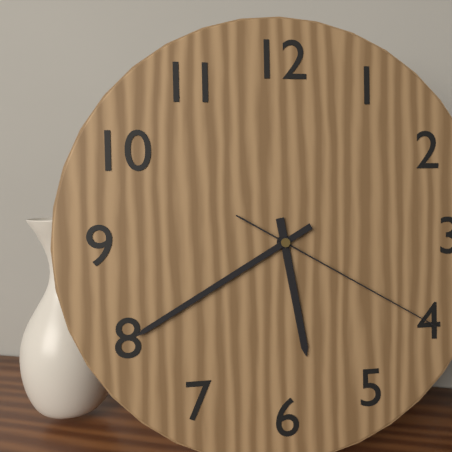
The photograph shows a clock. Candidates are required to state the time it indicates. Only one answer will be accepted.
5:40:20
